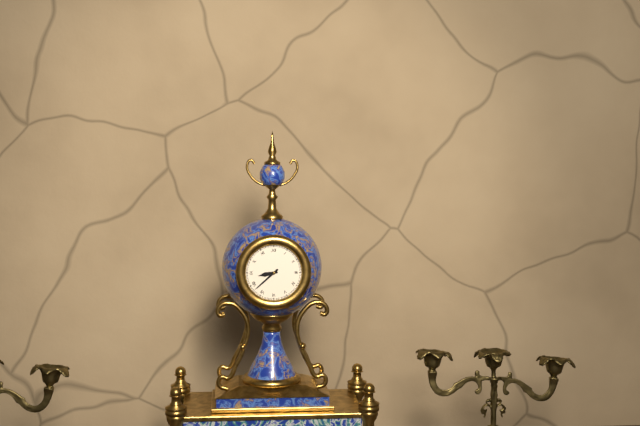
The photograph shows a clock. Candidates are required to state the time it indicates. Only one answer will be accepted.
8:38
